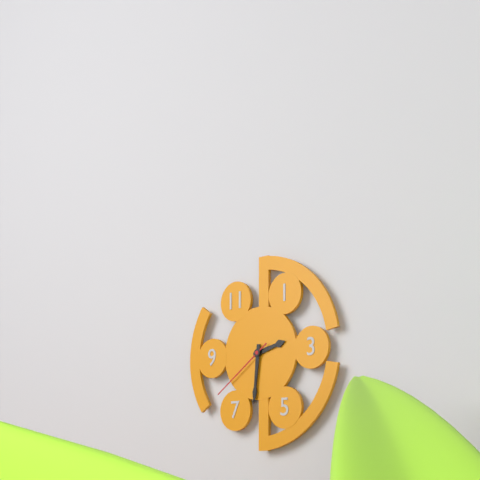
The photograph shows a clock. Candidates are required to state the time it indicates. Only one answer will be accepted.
2:31:39
